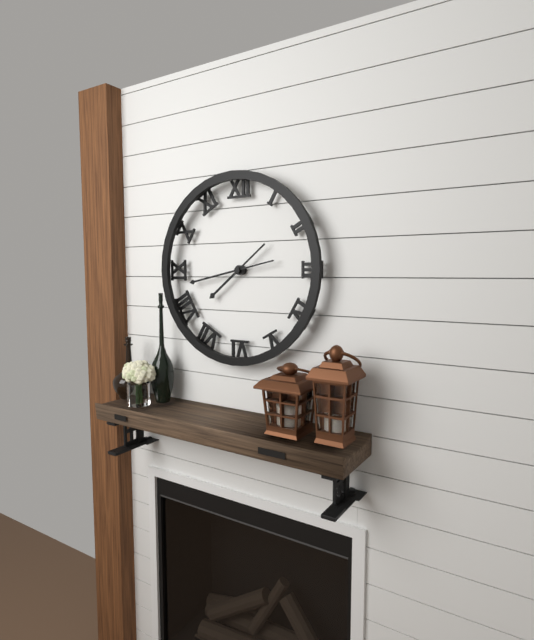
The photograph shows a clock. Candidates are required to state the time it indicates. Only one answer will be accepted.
7:43
